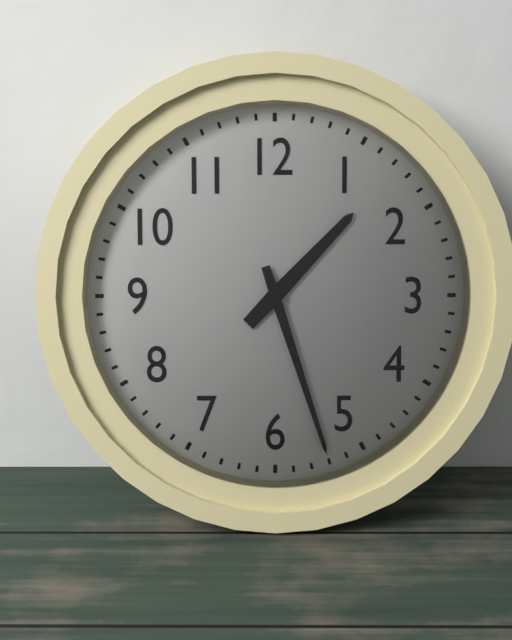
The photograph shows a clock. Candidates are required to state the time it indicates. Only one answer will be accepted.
1:27
